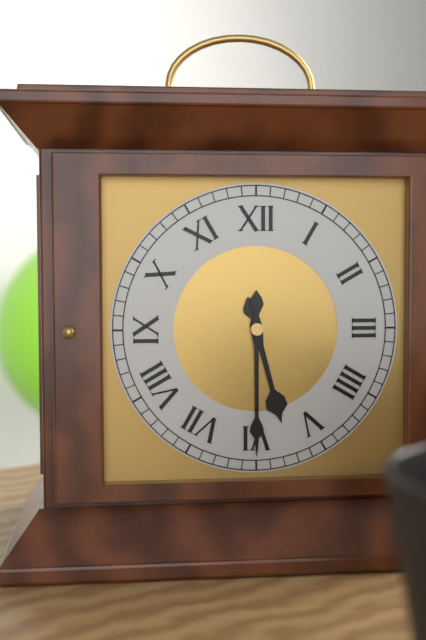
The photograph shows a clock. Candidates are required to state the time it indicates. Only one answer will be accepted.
5:30
